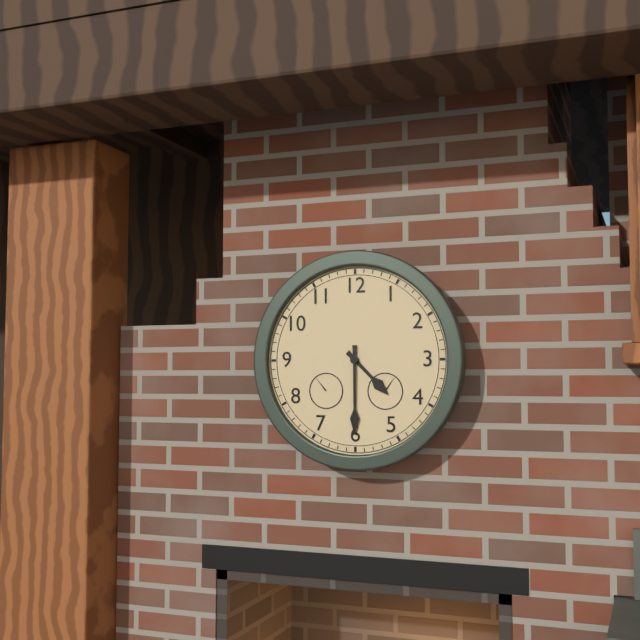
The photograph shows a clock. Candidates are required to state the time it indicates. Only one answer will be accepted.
4:30
